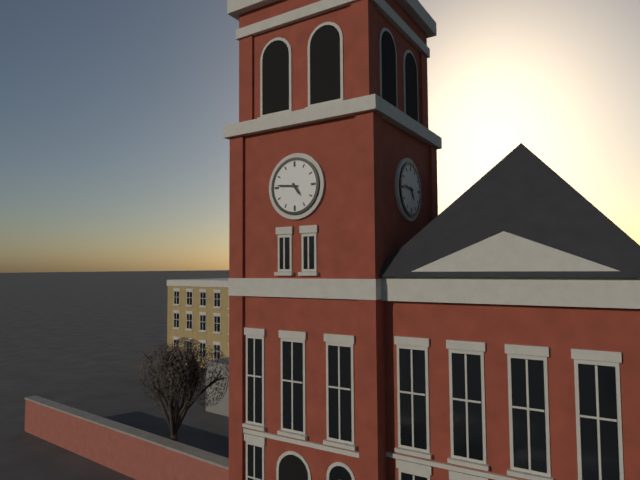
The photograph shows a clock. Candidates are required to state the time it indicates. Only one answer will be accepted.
4:46
